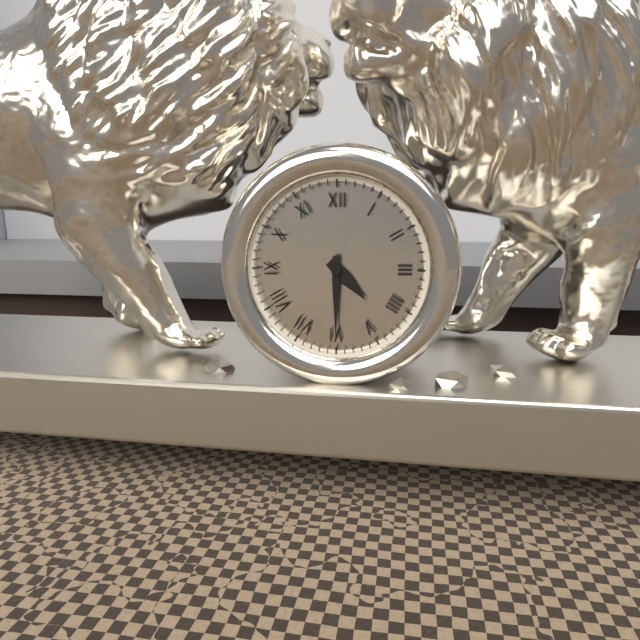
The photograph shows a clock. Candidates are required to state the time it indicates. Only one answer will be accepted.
4:30
